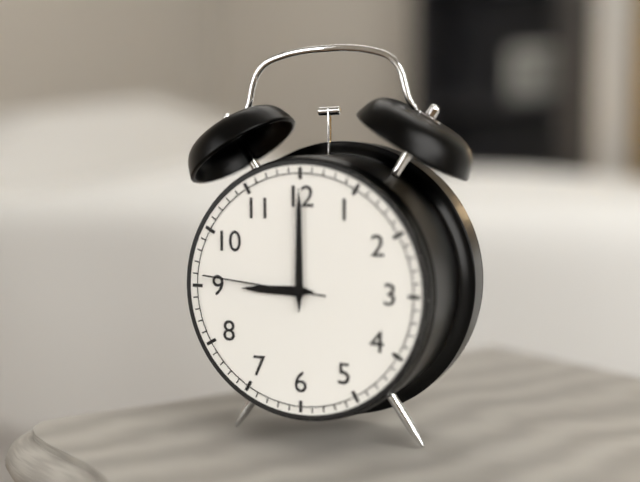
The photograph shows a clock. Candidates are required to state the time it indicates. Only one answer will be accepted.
9:00:46
